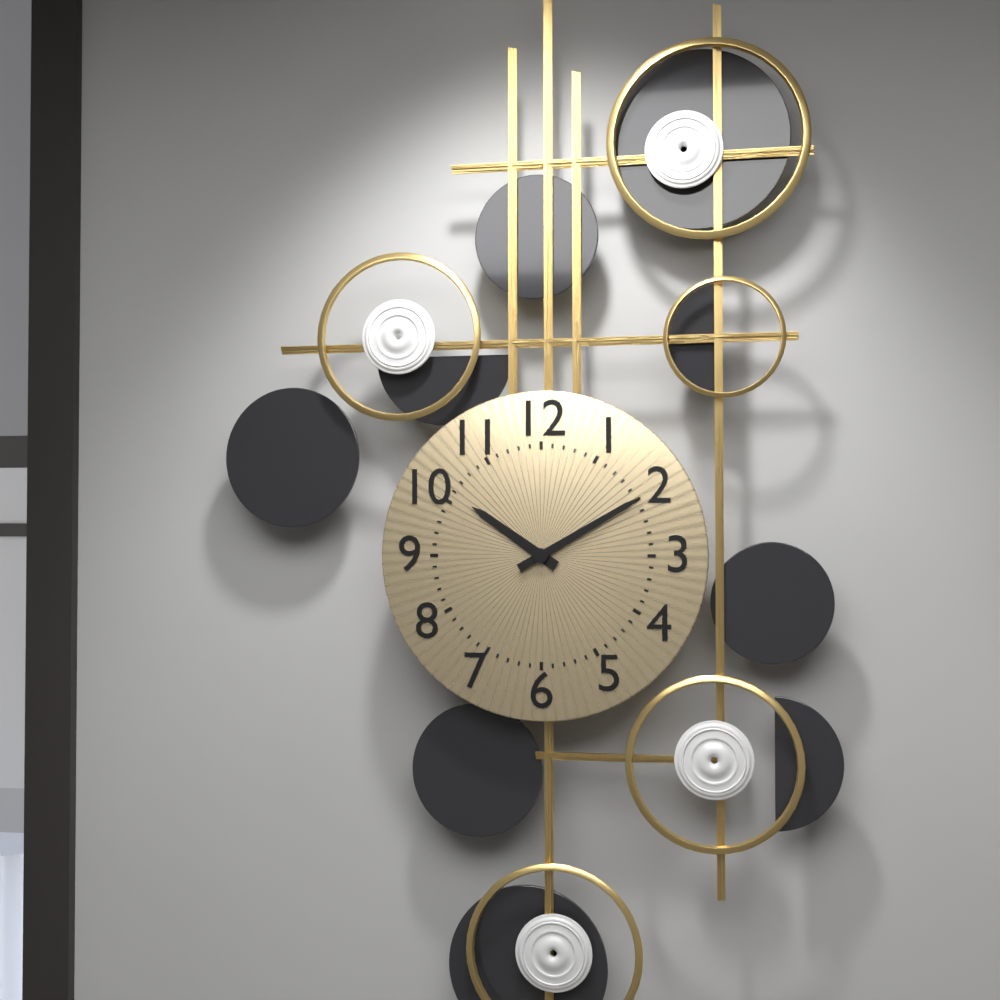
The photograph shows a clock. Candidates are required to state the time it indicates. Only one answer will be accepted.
10:10
